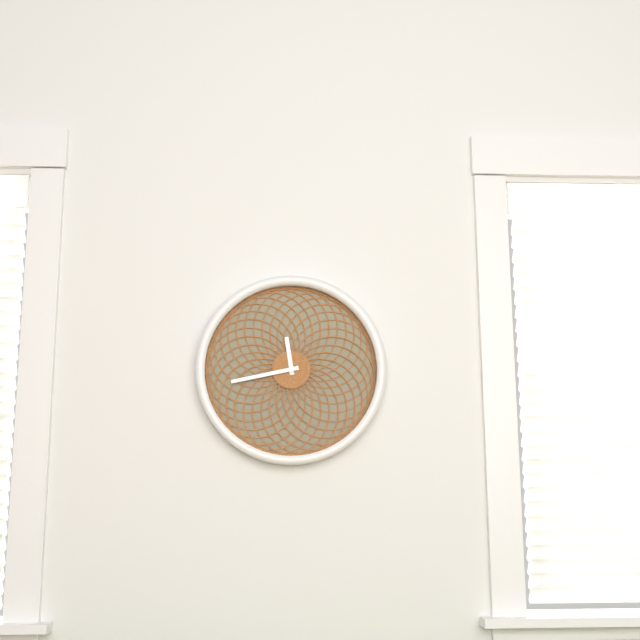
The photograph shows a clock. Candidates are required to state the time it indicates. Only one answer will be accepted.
11:43
